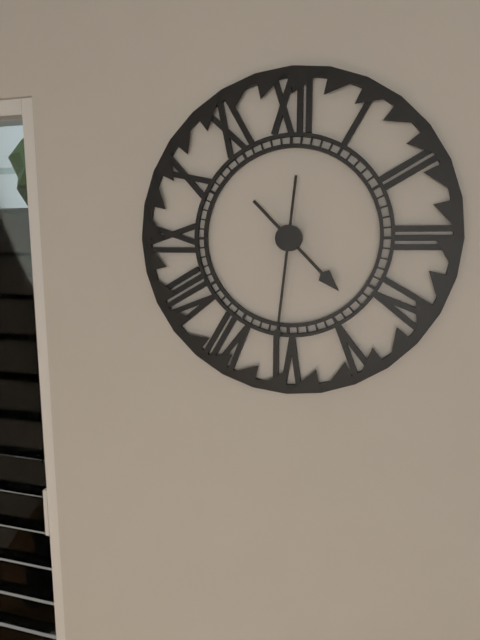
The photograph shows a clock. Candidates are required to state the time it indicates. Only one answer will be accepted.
4:31
